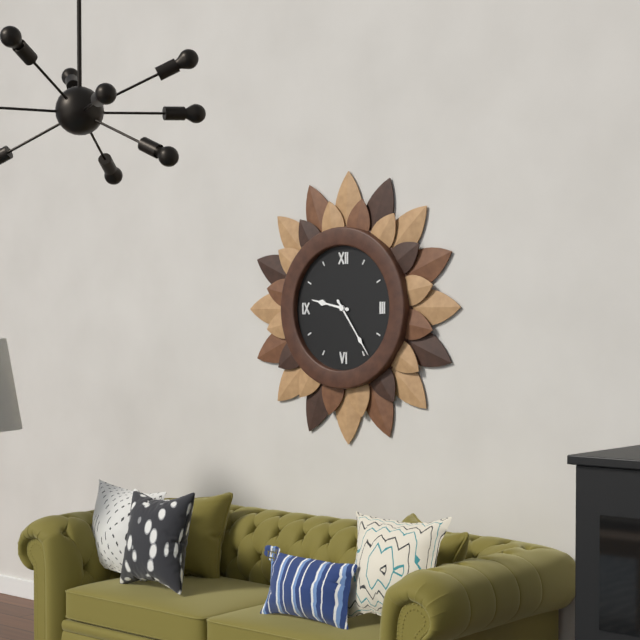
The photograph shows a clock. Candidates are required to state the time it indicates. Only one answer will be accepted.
9:24
